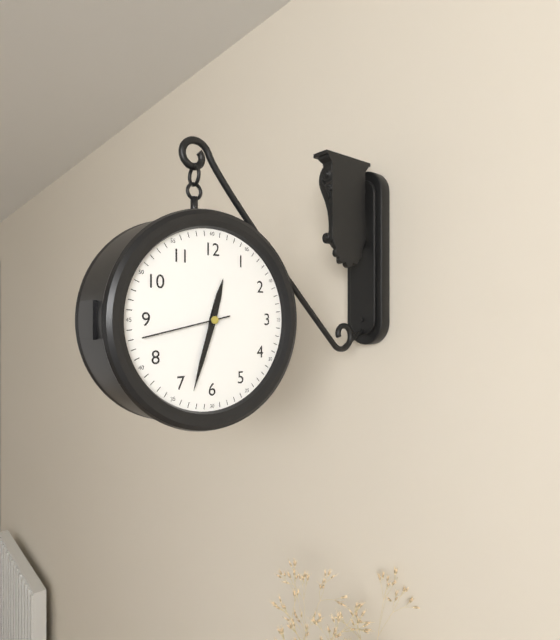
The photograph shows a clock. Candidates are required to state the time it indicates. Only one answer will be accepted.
12:33:43
